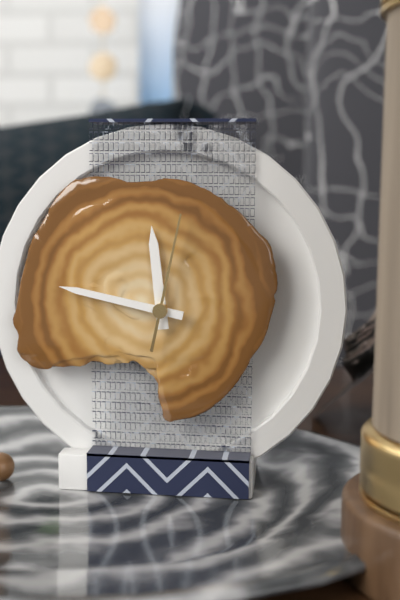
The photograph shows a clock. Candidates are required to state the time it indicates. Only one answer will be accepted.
11:47:02
